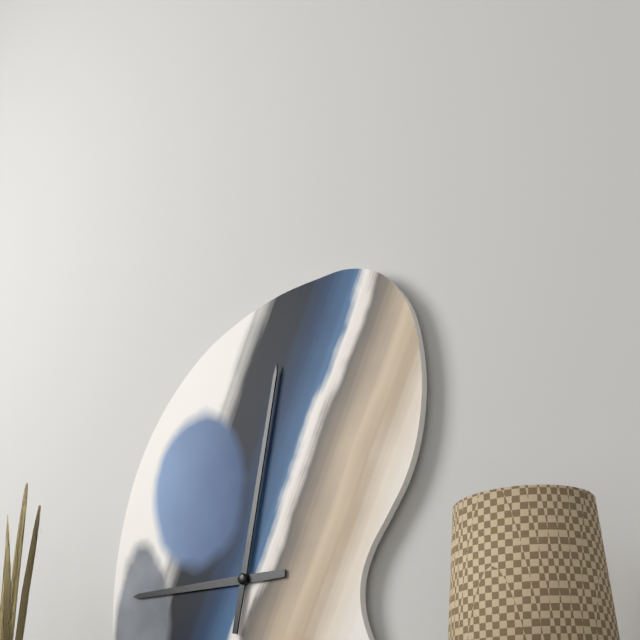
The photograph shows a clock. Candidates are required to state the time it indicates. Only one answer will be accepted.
9:02
